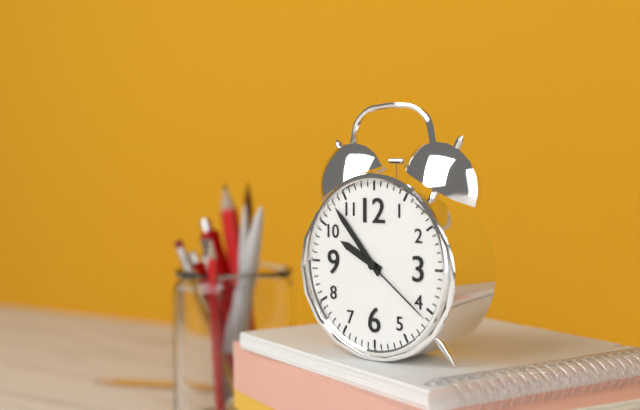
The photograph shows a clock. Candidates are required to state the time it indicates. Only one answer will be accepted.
9:53:21
